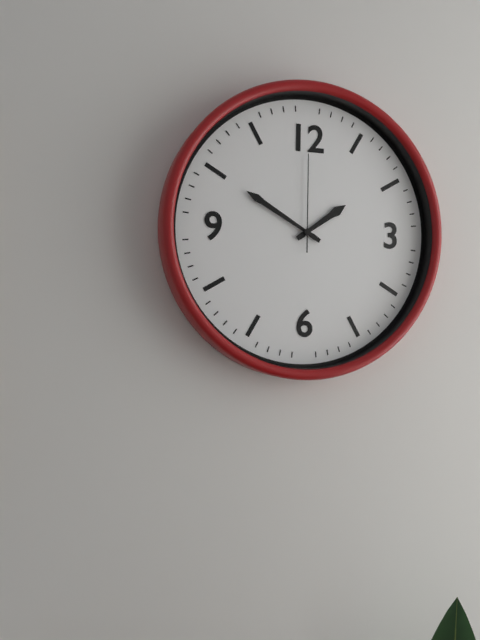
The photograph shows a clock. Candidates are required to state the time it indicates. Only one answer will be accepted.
1:50:00
